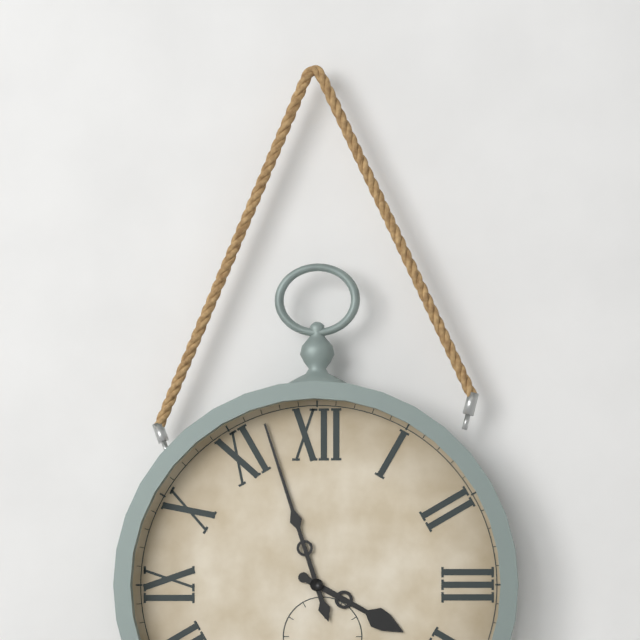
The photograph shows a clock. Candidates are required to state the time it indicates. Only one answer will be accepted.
3:57
